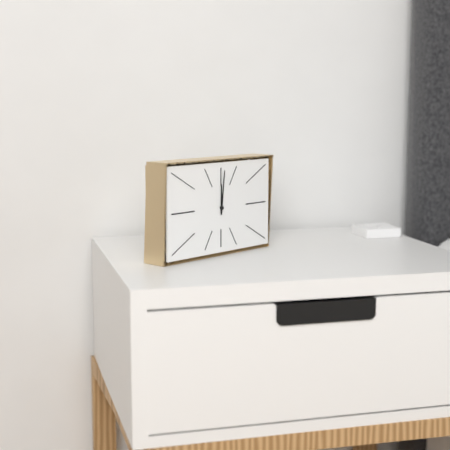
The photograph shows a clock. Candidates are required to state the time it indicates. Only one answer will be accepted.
12:01
